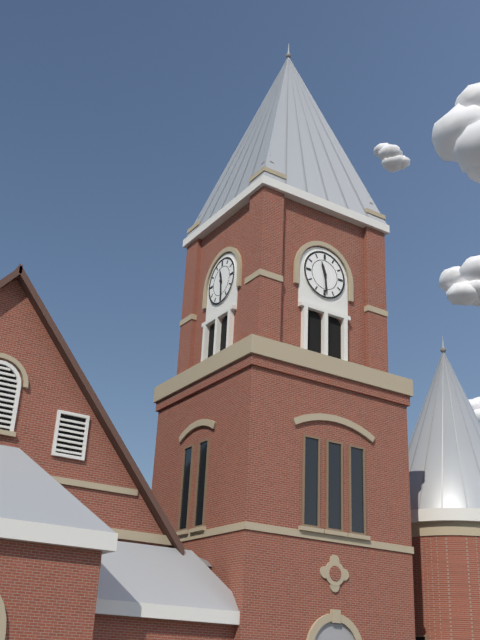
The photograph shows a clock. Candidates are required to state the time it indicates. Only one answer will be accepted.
11:29
